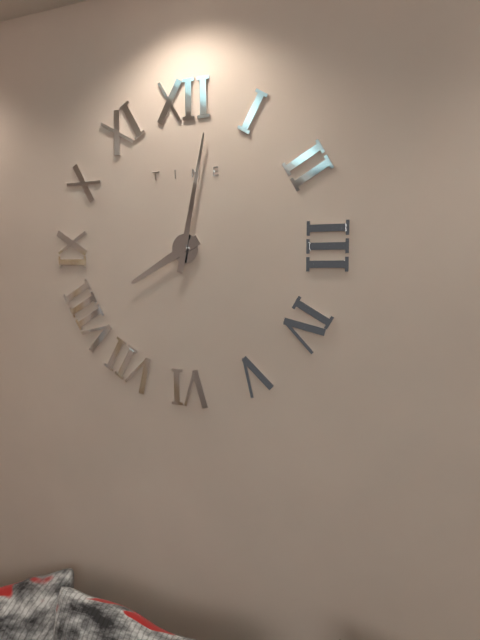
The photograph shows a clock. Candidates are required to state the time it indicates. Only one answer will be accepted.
8:02
